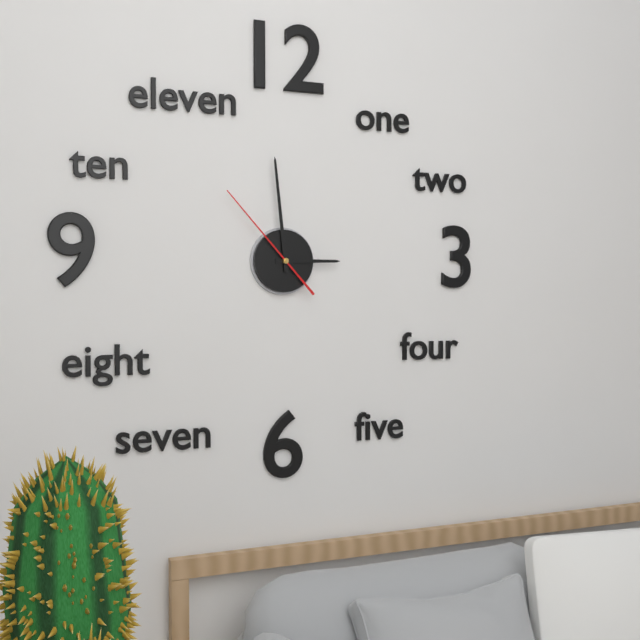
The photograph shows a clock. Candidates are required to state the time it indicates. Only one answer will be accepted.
2:59:53
